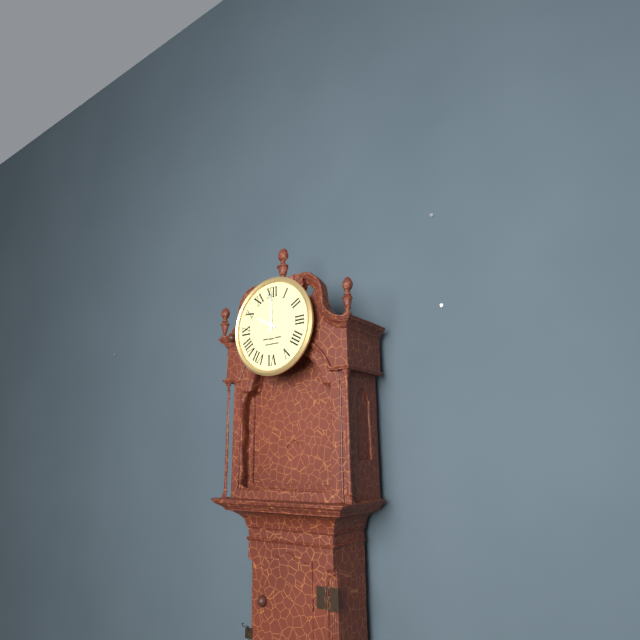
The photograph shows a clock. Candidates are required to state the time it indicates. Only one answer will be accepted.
10:00
